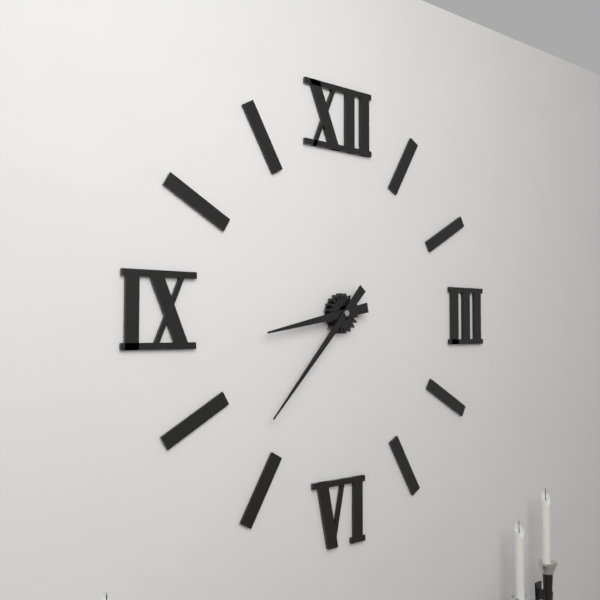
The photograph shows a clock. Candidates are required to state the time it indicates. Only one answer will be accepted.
8:37
